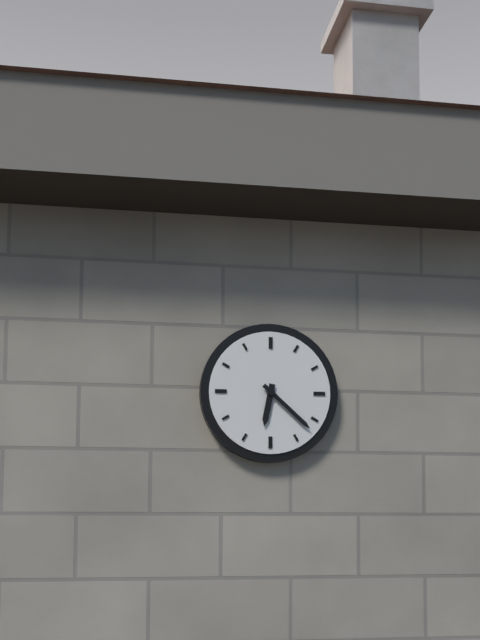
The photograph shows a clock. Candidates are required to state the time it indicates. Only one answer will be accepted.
6:22
